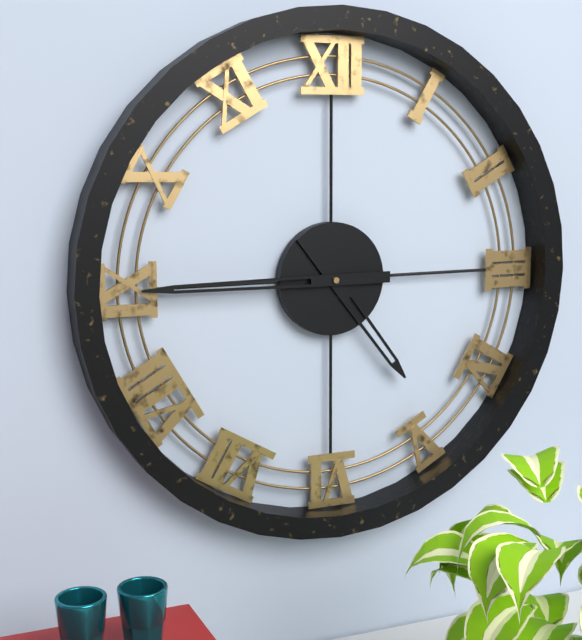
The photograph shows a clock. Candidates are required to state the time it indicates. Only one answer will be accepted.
4:45
